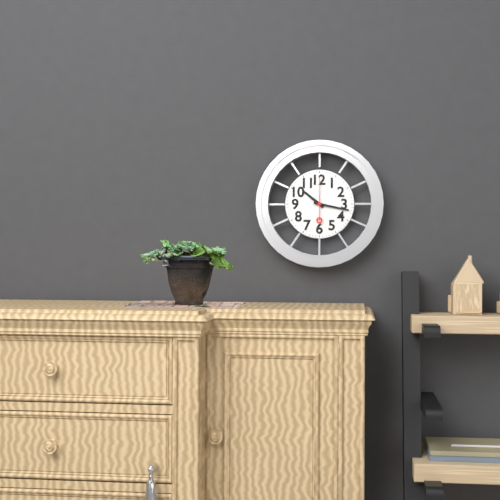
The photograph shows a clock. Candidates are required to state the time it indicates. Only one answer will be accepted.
10:17
